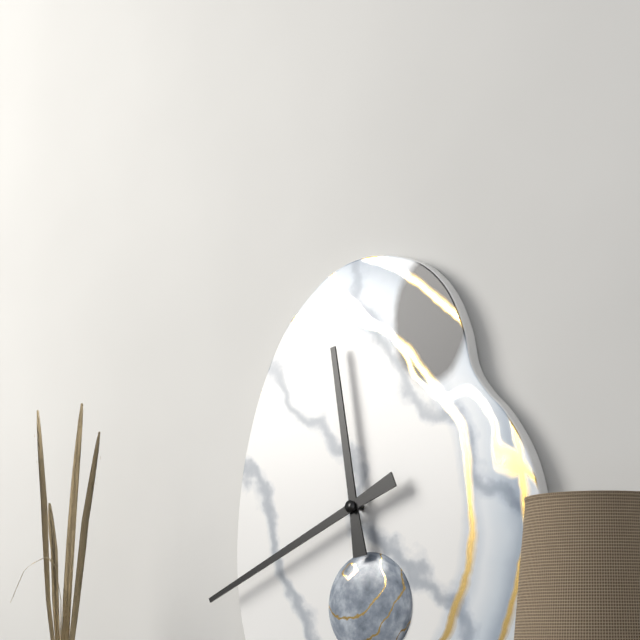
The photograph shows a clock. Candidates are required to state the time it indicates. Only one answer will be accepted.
11:41
